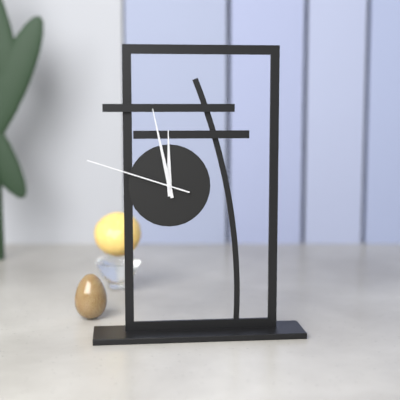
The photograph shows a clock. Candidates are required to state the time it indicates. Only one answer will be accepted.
11:58:48
